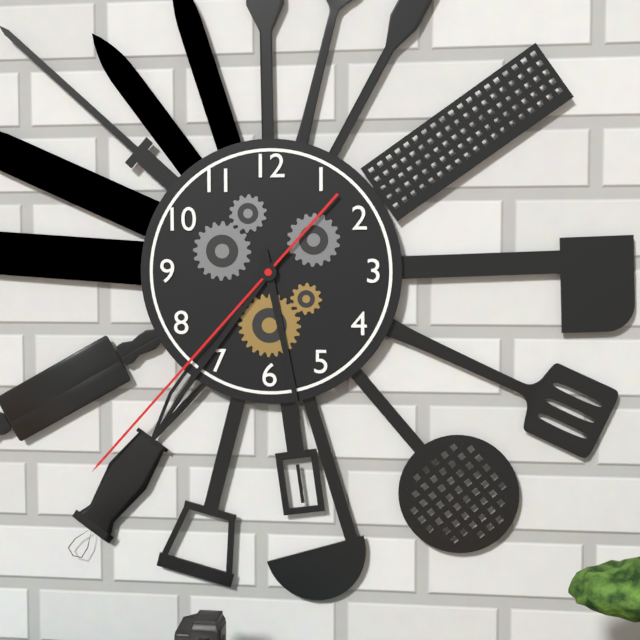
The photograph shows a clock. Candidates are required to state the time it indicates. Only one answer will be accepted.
5:36:37
